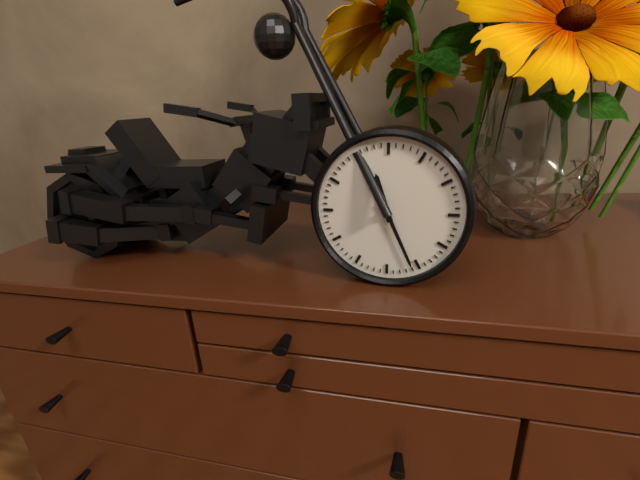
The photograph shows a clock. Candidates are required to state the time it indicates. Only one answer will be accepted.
11:26
